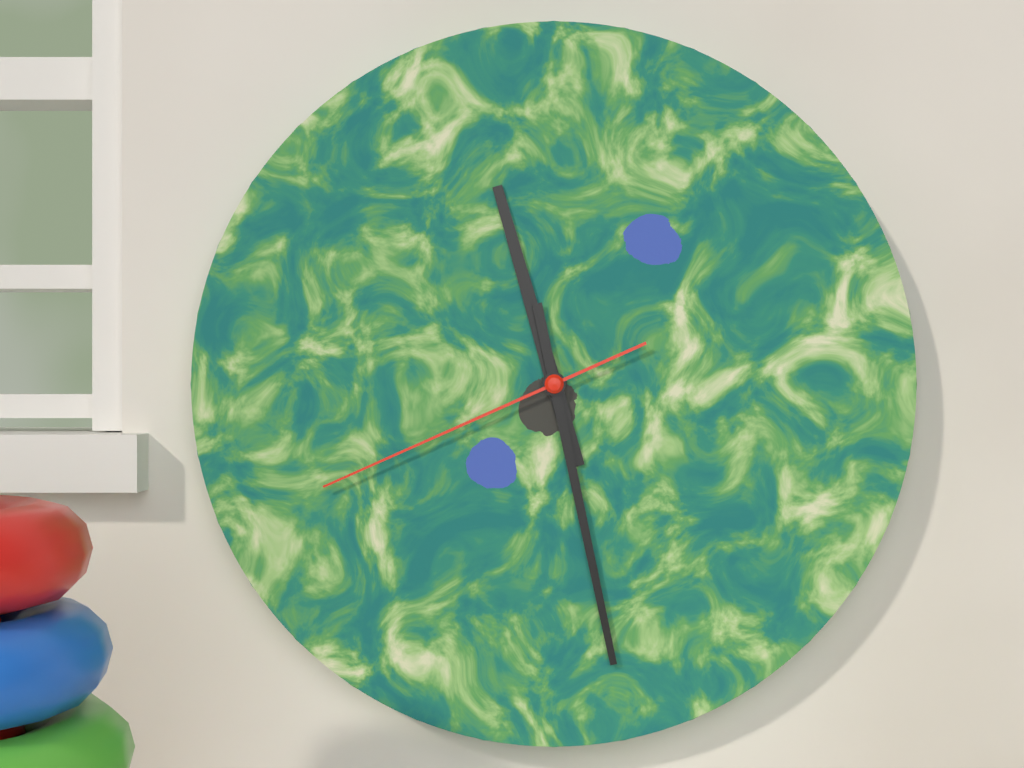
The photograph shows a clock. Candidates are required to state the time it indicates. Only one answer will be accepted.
11:28:41
